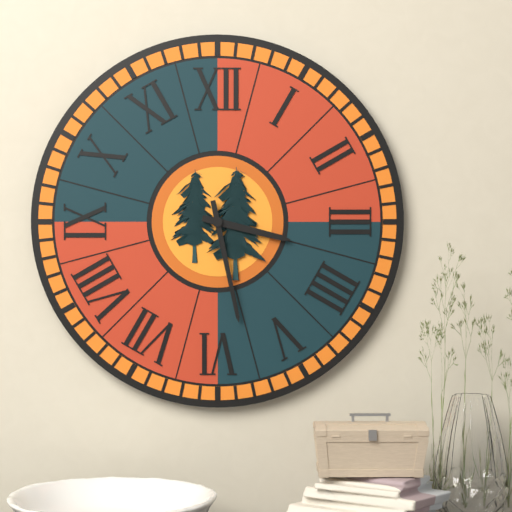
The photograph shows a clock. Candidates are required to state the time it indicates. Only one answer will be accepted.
3:28
